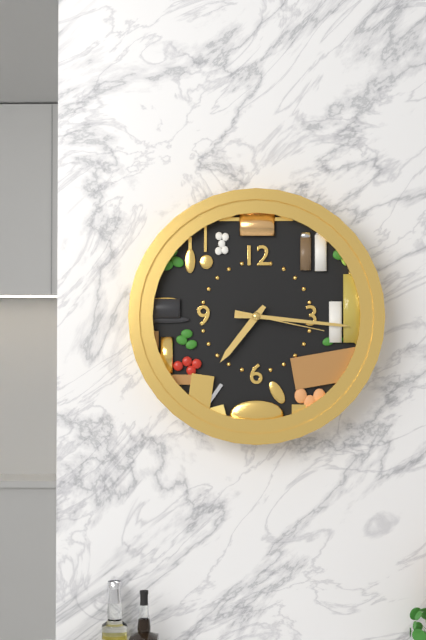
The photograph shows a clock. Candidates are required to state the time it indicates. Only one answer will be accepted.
7:16:17
